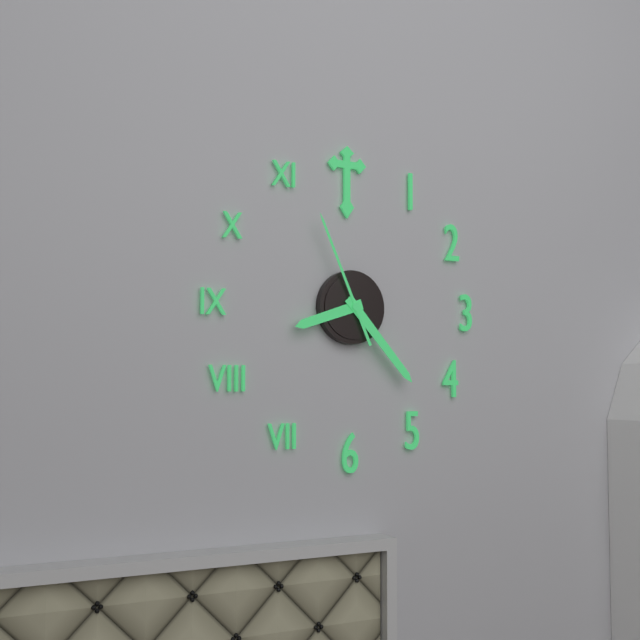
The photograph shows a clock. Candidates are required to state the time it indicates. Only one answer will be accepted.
8:23:56
